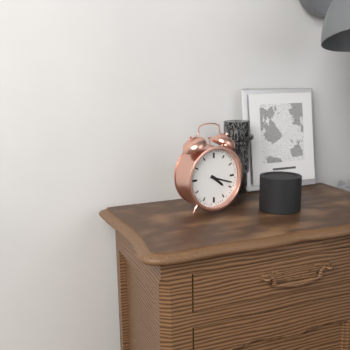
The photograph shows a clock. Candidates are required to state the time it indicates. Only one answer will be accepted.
4:18
